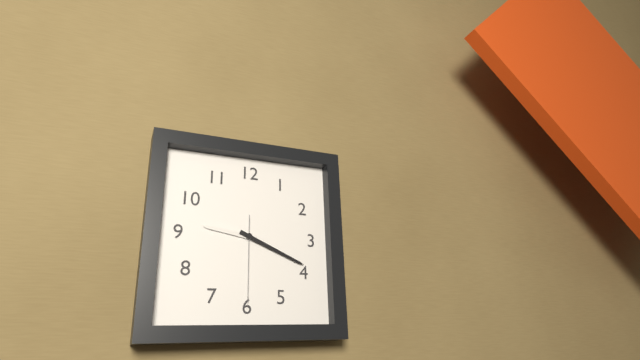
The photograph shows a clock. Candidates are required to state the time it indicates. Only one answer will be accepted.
9:19:30
